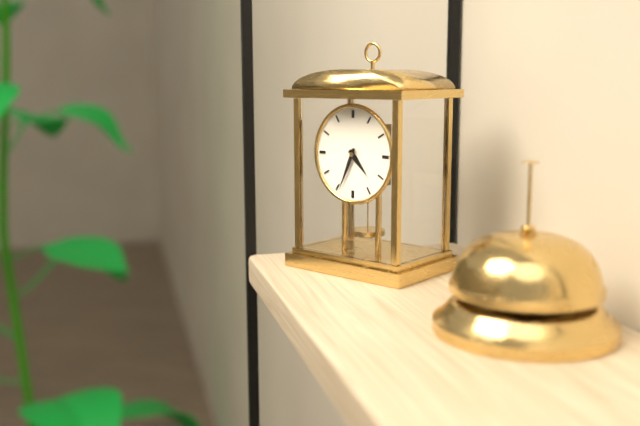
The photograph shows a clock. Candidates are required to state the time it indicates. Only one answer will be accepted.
4:34
